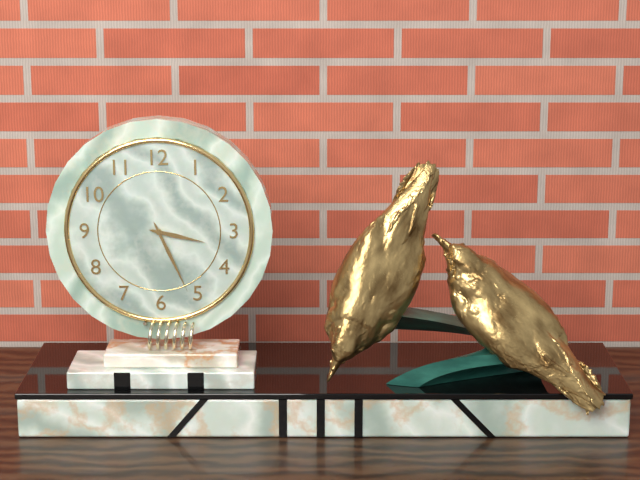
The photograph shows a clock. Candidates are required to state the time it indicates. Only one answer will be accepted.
3:26
